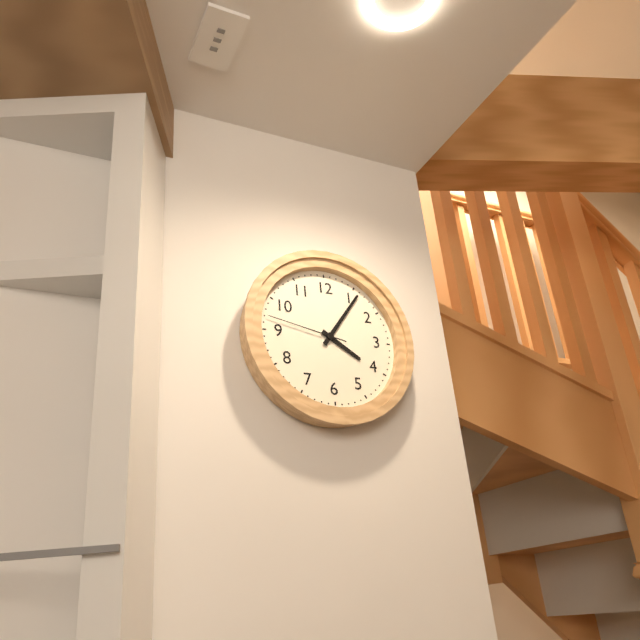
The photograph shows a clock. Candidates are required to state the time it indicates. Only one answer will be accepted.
4:06:47
